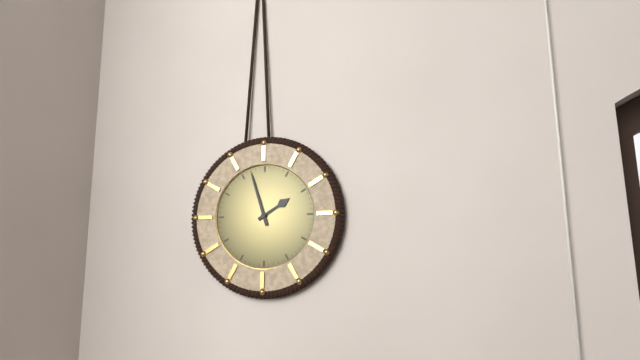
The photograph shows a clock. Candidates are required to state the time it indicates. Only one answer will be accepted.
1:57
